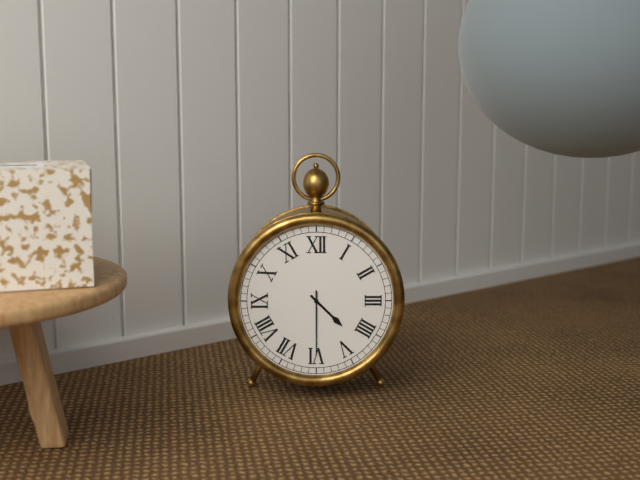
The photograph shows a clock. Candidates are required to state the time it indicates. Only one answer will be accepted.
4:30
